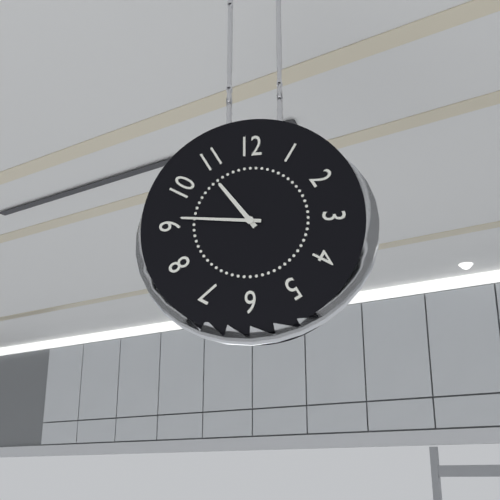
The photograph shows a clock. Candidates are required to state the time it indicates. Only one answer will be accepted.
10:46
